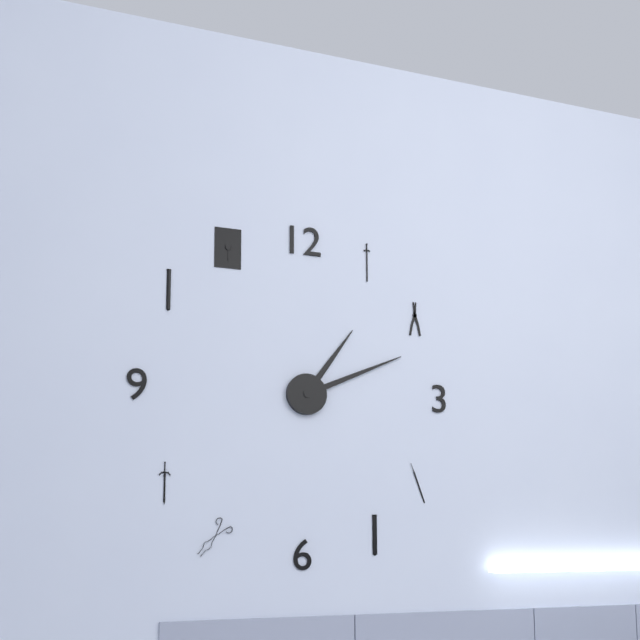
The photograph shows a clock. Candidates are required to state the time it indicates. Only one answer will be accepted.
1:11
